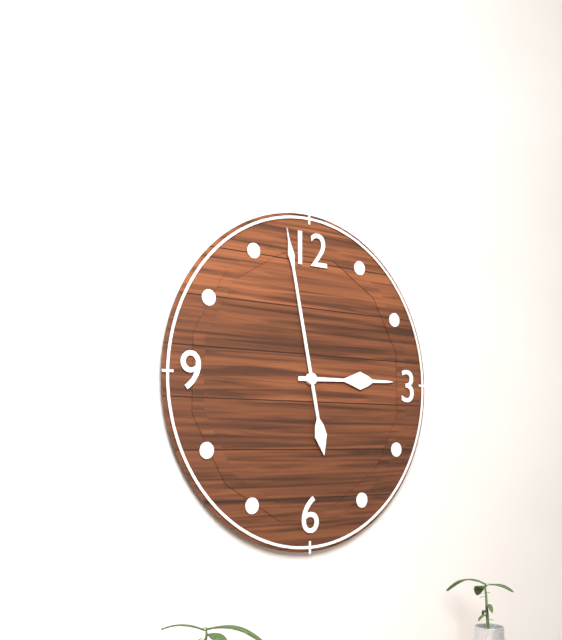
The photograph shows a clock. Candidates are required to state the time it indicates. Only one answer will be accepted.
2:58
